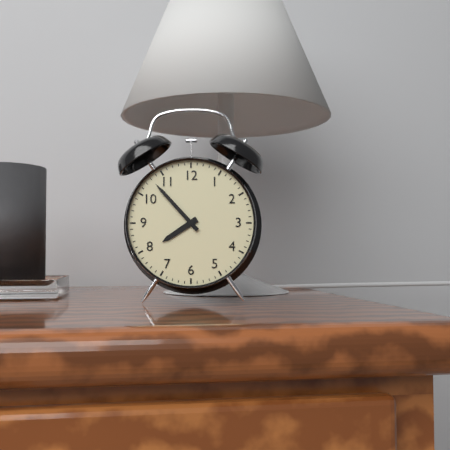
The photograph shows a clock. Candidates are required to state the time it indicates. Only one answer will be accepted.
7:53
